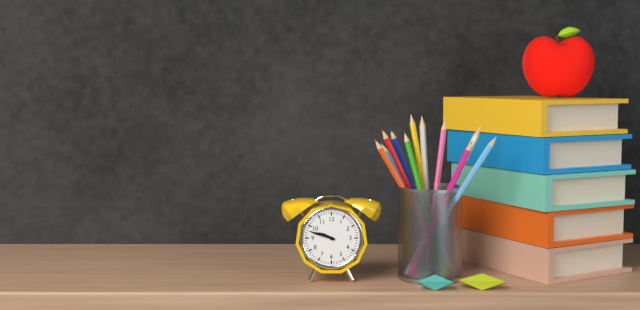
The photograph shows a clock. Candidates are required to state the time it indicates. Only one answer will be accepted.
9:48
